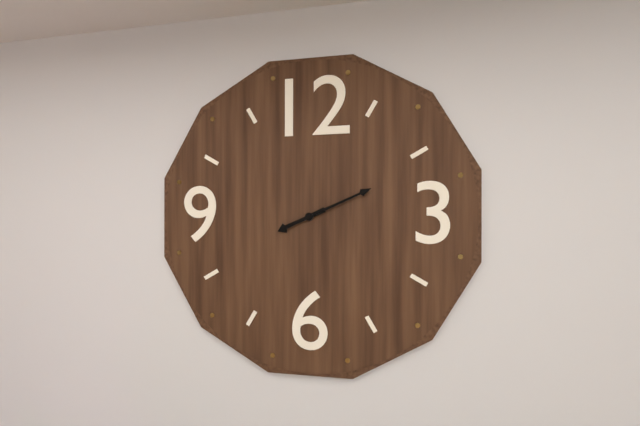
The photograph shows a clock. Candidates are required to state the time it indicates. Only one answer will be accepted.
8:11
